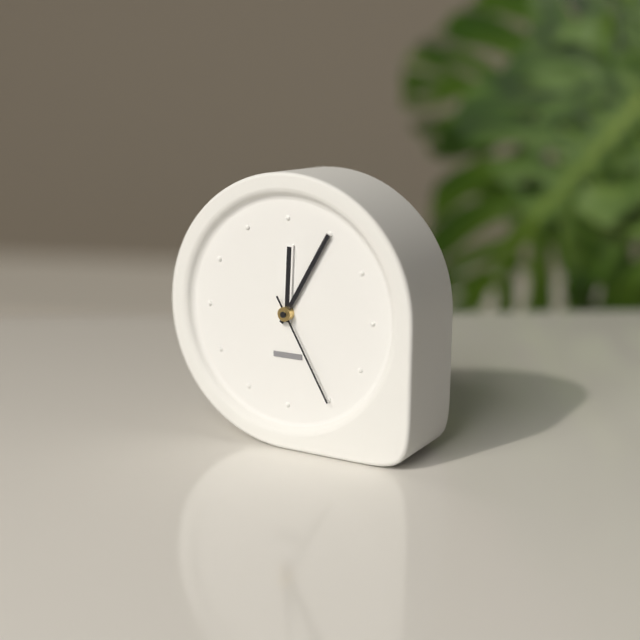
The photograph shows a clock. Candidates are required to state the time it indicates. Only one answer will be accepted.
12:05:25
